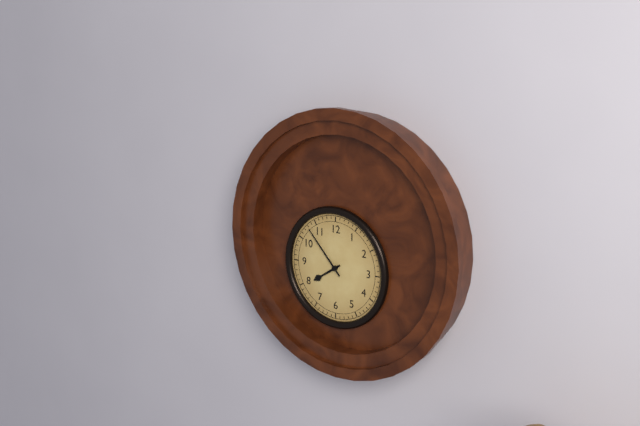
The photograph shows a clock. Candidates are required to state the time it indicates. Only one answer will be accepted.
7:53
